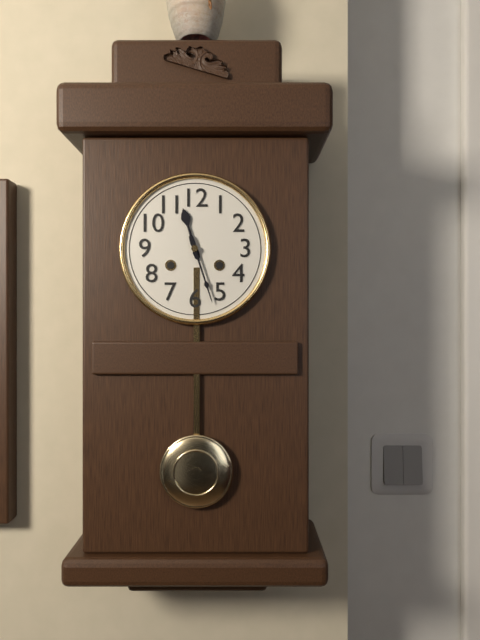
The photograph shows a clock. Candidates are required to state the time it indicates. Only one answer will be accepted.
11:27
